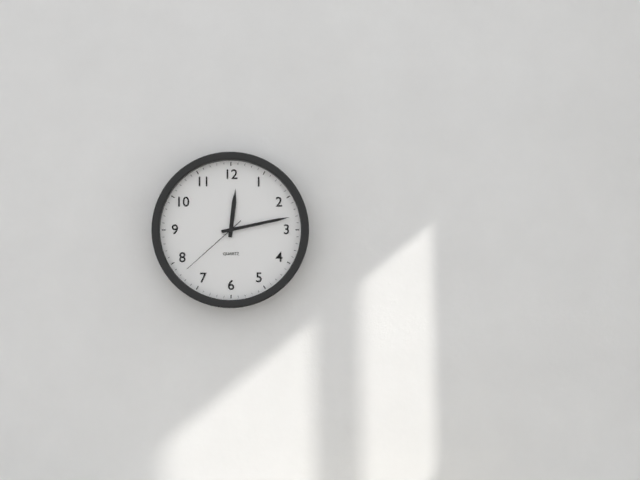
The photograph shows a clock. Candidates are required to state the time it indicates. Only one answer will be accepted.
12:13:38
